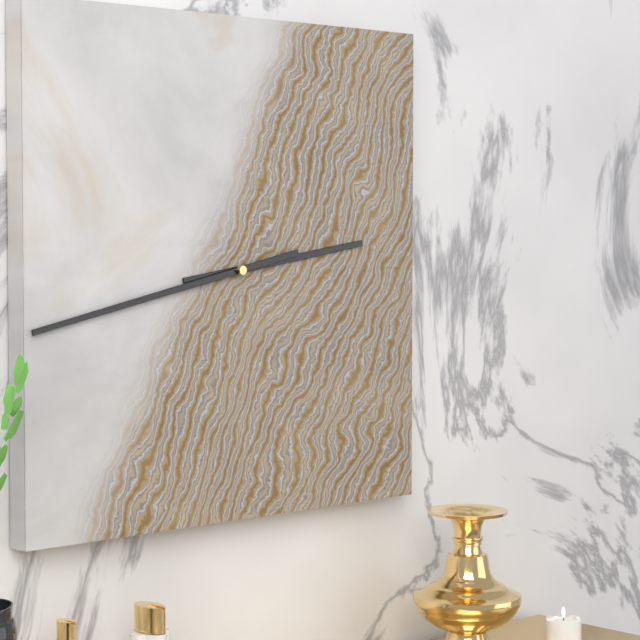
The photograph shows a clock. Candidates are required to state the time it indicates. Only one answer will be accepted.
2:43
